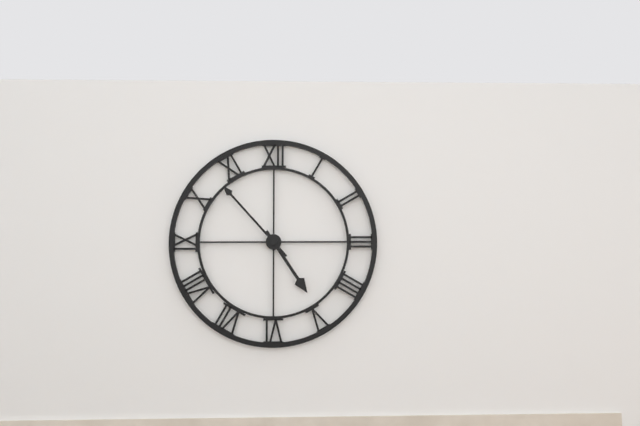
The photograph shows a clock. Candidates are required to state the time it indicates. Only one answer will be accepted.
4:53
